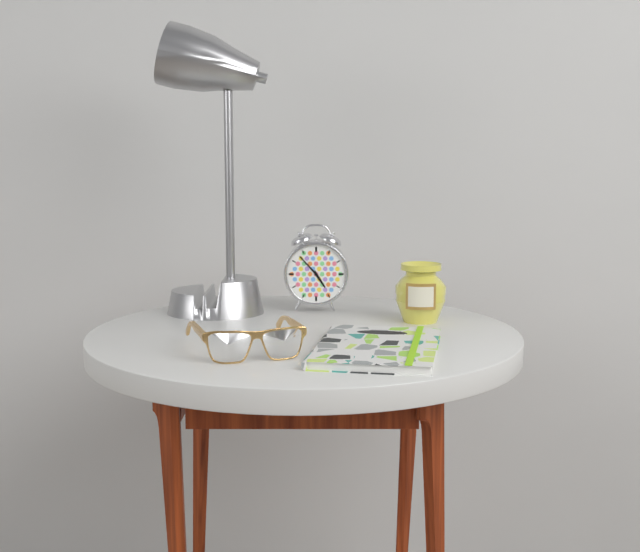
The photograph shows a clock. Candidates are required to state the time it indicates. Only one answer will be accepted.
4:53
